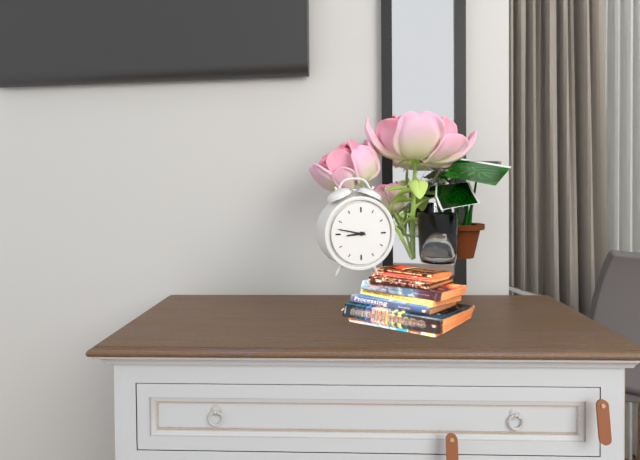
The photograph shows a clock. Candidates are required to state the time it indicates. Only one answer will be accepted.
8:47
